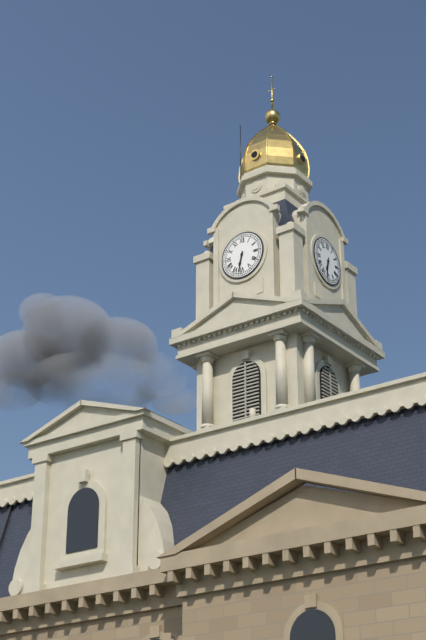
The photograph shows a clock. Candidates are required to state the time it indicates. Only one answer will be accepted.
6:32
